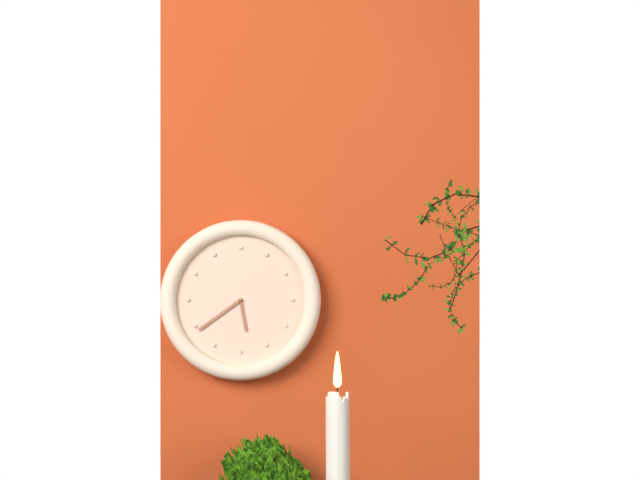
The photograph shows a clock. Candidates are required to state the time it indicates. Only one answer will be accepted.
5:39
